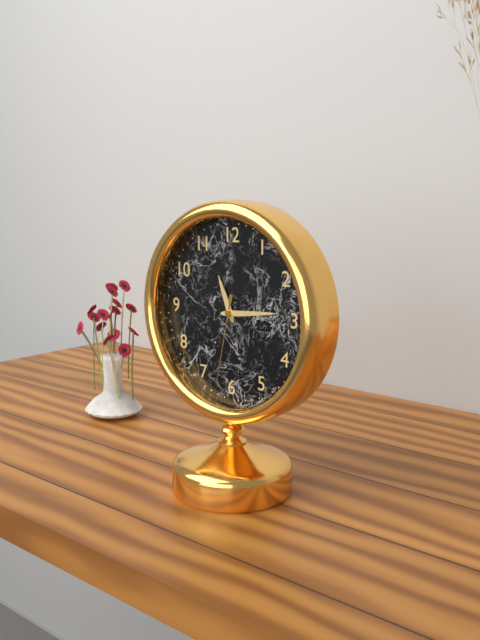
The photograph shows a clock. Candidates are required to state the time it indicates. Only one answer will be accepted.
11:14:32
